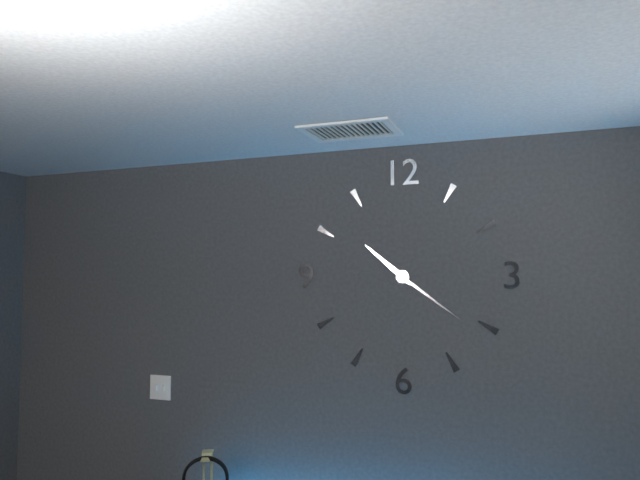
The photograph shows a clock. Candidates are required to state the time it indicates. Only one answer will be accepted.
10:21
